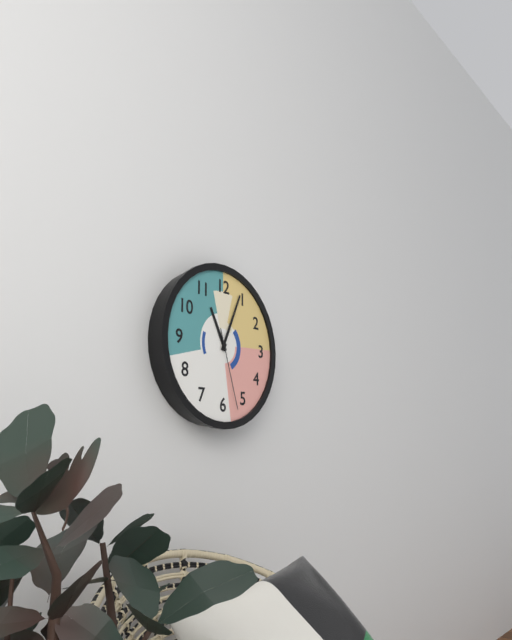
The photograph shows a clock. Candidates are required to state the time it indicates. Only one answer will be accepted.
11:04:27
